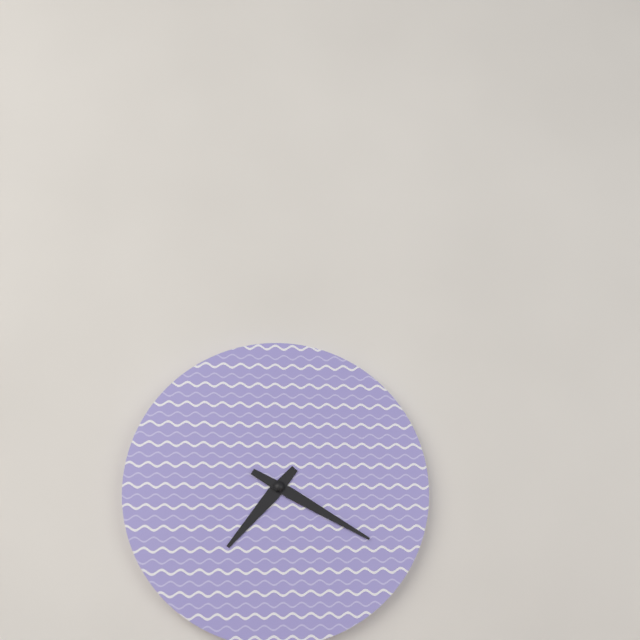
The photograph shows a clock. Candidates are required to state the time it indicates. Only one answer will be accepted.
7:20
